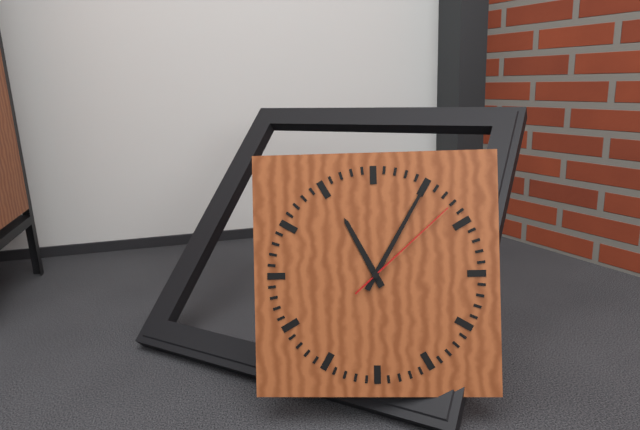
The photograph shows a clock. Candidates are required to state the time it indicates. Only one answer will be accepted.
11:05:08
